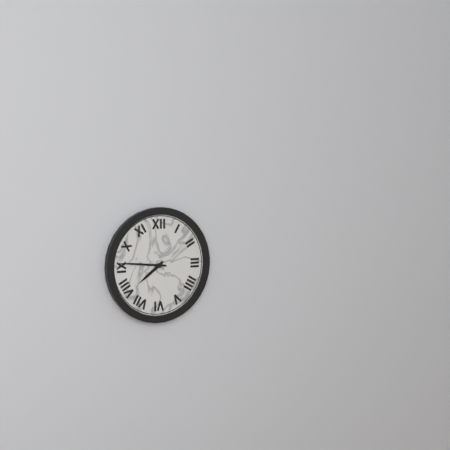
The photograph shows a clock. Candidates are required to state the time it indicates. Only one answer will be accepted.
7:46
